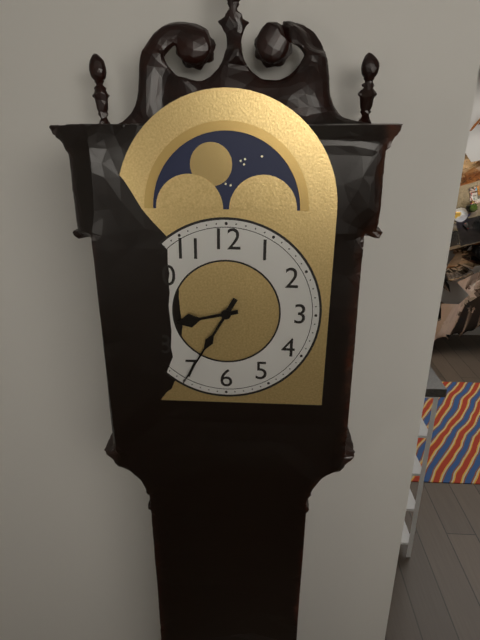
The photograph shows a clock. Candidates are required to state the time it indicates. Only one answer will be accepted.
8:35
